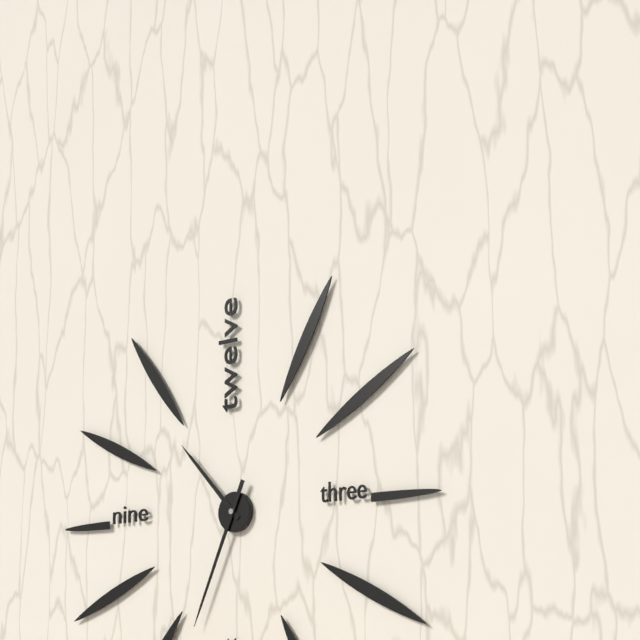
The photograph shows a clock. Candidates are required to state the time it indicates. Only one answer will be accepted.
10:34
